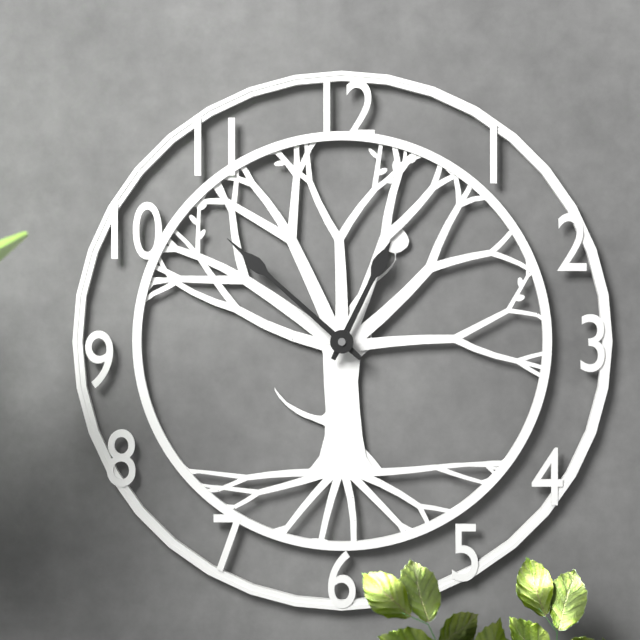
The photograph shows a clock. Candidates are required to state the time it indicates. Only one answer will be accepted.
12:52
